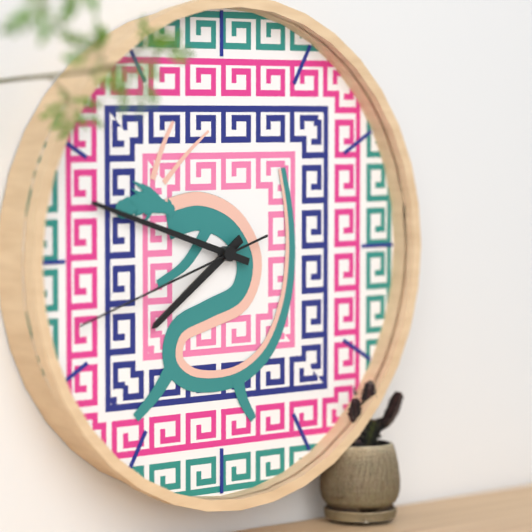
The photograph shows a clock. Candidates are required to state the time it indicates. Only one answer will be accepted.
7:48:42
